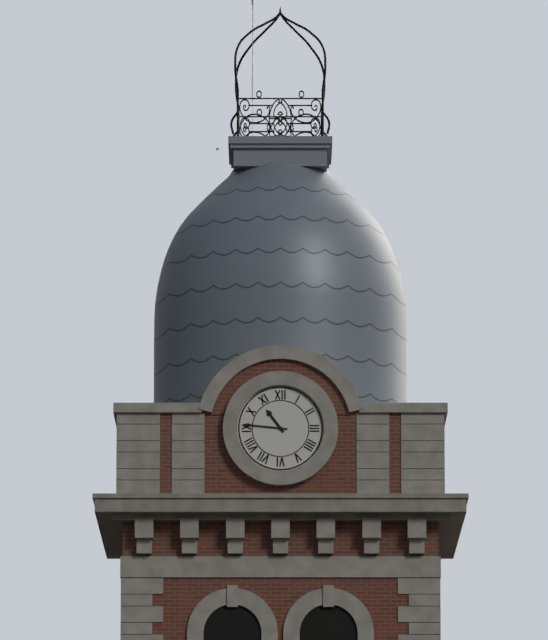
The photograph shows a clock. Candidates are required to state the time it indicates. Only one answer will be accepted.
10:46
